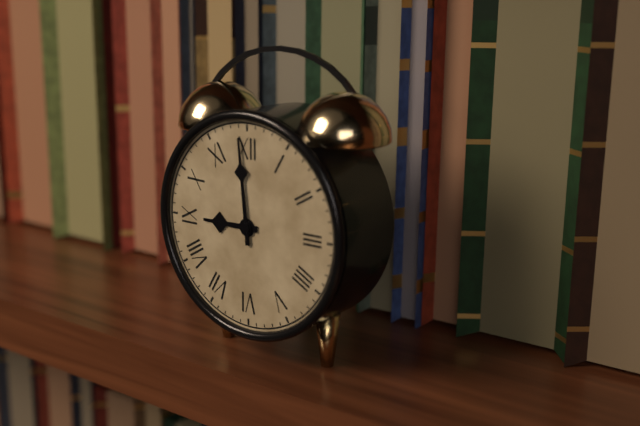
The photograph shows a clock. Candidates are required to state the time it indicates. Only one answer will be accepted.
8:59
